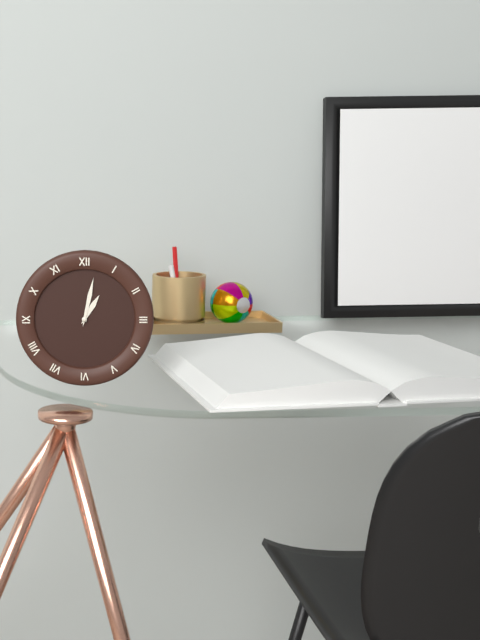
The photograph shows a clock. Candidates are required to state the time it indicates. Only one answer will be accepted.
1:02
